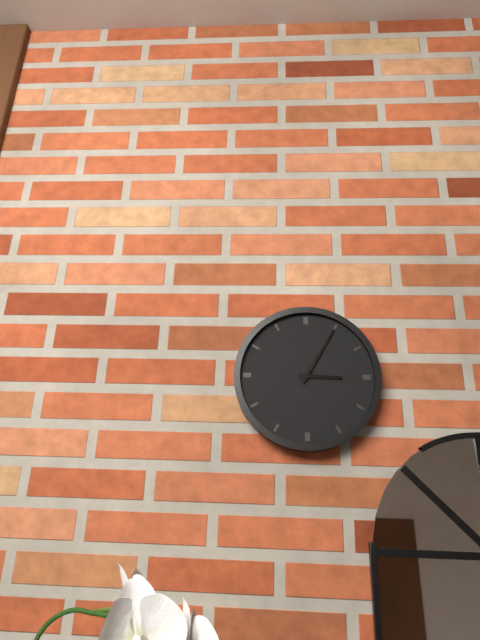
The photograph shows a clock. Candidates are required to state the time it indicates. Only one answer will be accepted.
3:05
